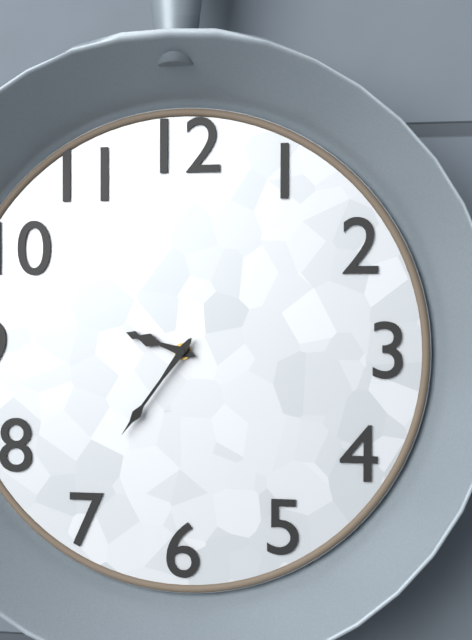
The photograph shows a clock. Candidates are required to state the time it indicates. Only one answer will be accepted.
9:36
